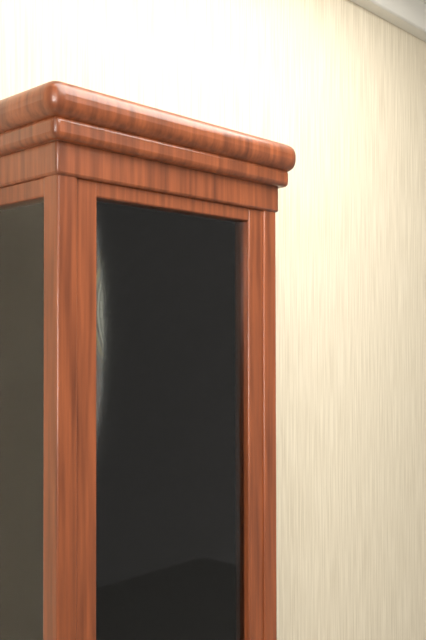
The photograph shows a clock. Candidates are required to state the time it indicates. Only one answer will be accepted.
6:28
